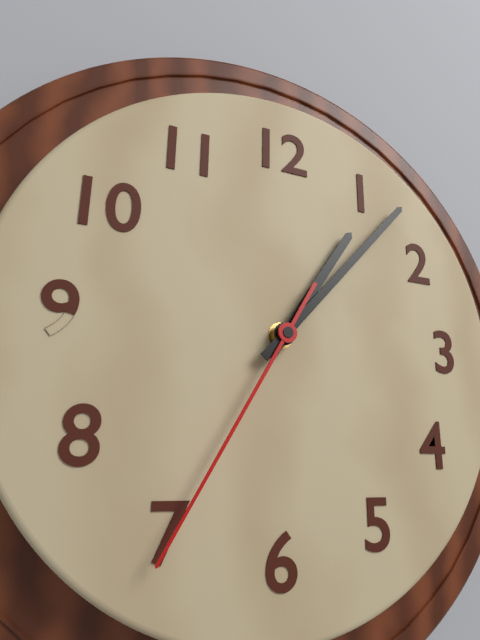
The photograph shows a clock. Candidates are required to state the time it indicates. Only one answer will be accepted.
1:07:35
